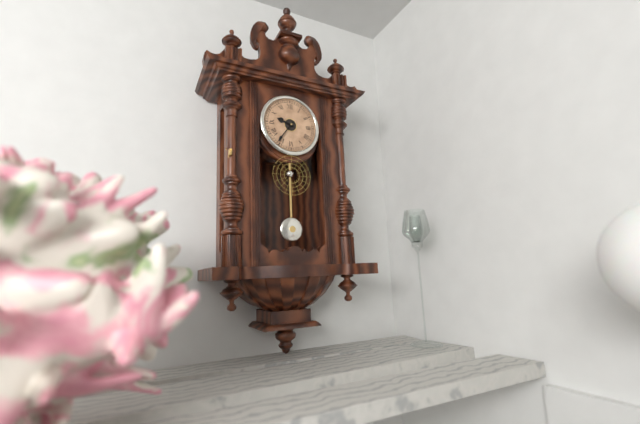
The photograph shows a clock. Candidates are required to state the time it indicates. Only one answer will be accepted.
9:36
